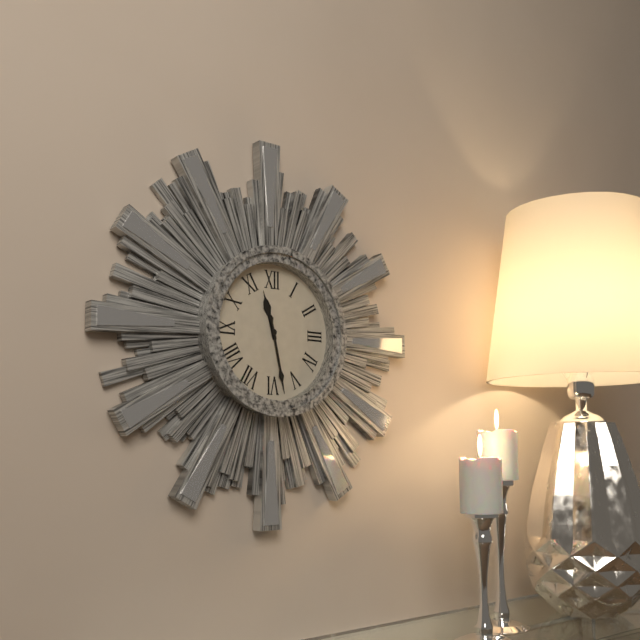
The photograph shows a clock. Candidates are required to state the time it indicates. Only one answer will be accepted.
11:28
